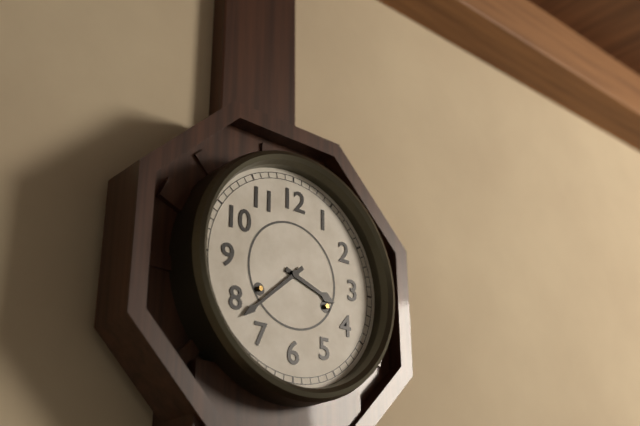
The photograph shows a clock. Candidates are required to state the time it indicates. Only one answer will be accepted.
3:38
